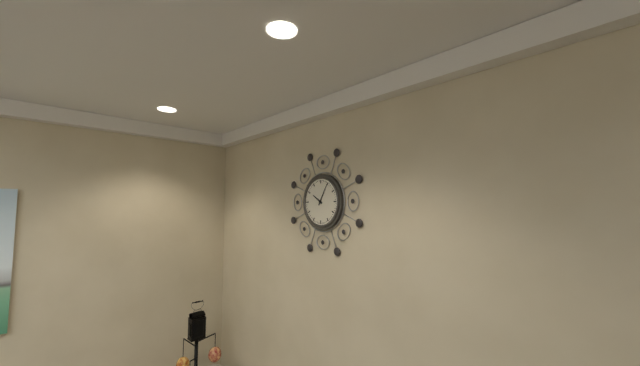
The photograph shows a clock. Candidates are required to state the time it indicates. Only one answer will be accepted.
10:05
